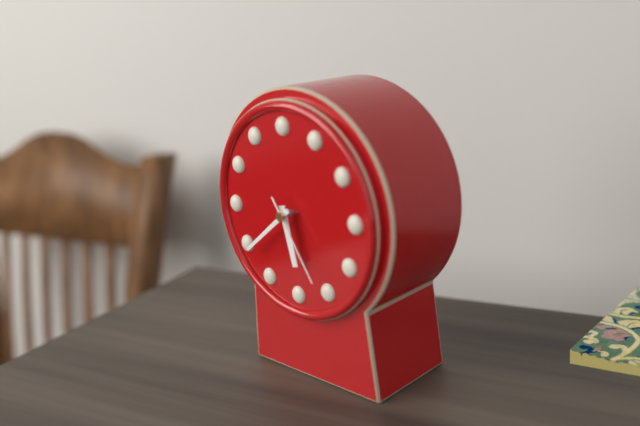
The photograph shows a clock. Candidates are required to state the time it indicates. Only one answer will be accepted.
5:39:25
